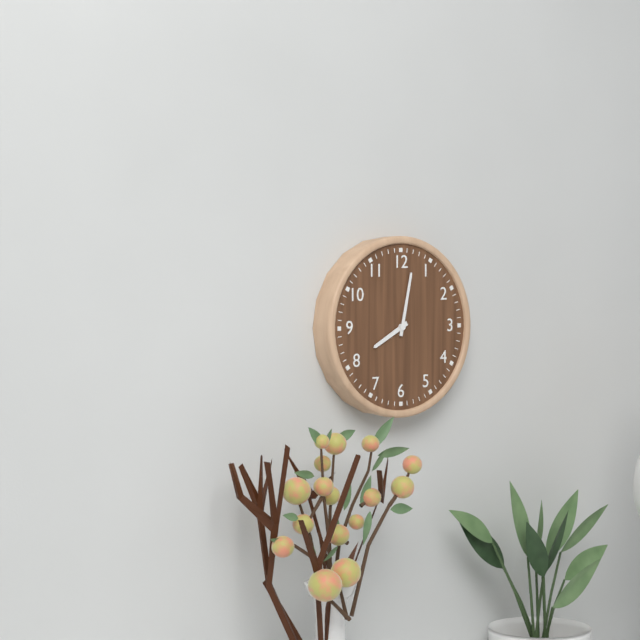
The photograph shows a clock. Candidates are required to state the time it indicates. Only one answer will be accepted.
8:02
